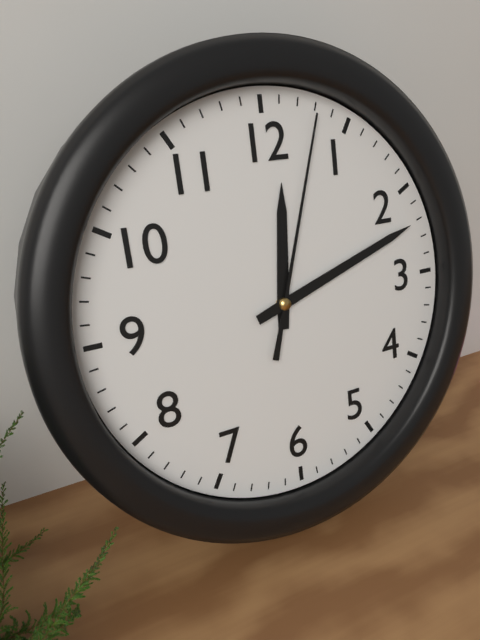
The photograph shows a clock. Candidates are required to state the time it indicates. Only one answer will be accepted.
12:12:03
